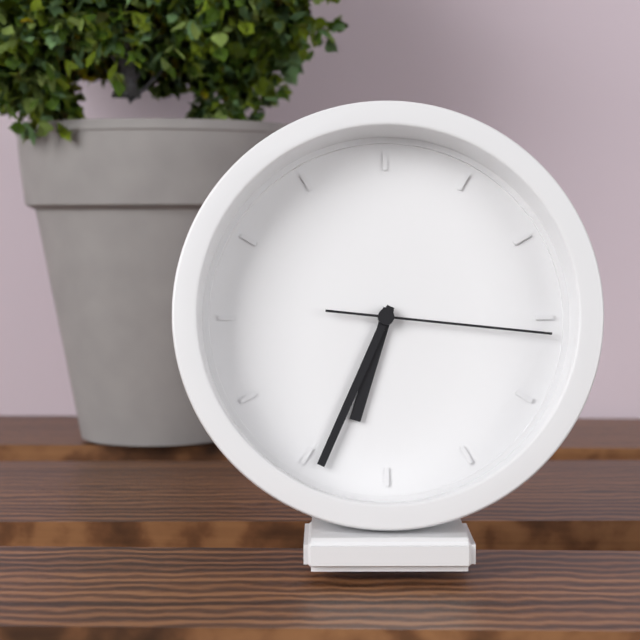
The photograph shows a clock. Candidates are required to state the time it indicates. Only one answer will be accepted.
6:34:16
